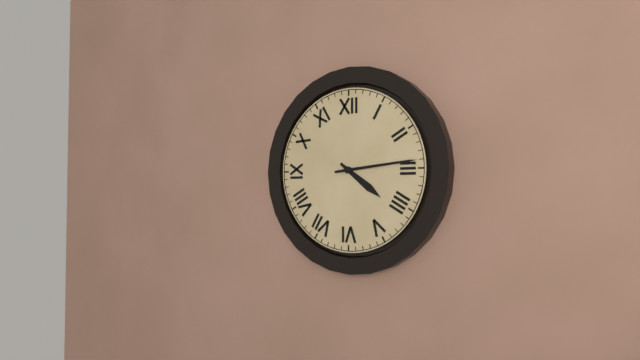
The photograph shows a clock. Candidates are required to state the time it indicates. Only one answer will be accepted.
4:14
